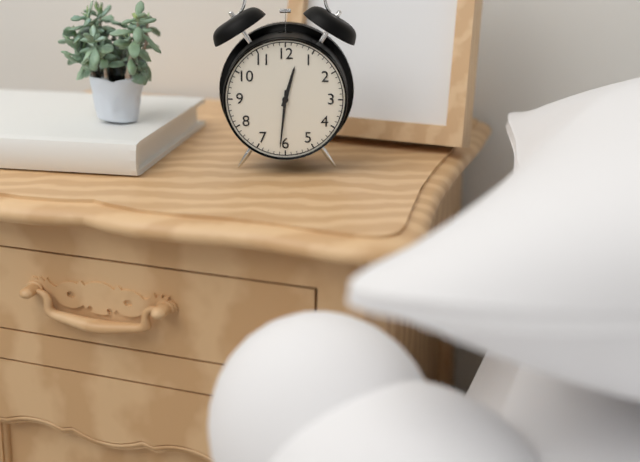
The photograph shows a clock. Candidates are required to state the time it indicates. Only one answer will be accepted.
12:31
